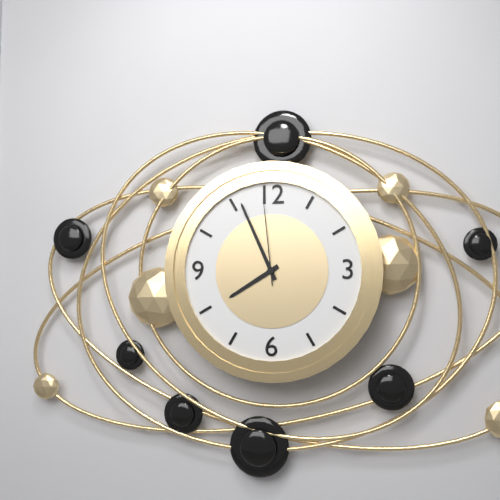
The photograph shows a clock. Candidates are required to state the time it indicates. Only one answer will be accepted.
7:56:59
